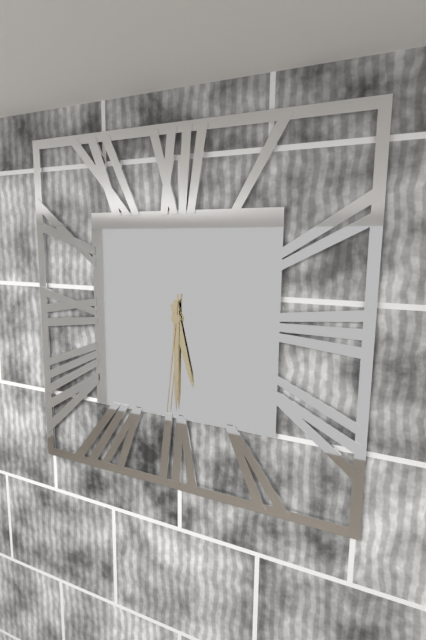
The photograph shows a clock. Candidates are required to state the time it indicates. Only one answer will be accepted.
5:30:31
